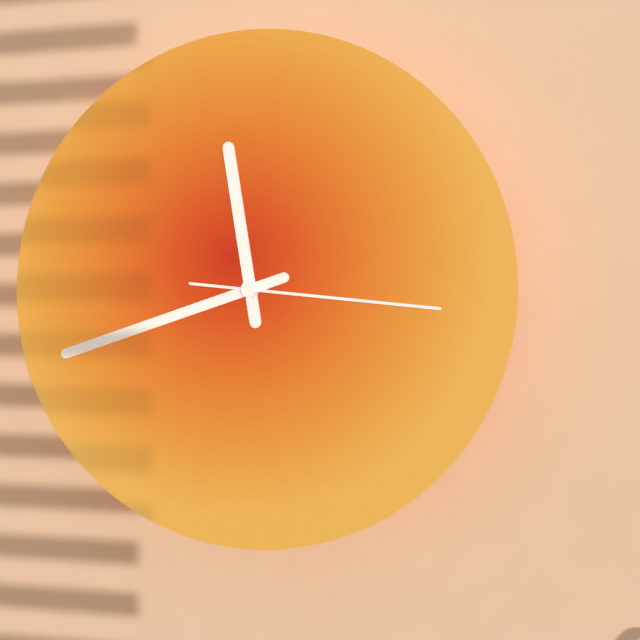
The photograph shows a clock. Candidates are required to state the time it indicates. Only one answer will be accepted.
11:42:16
